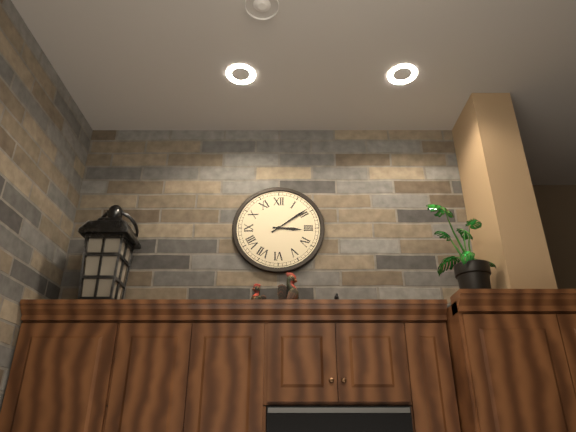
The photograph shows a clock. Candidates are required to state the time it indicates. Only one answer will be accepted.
3:09
